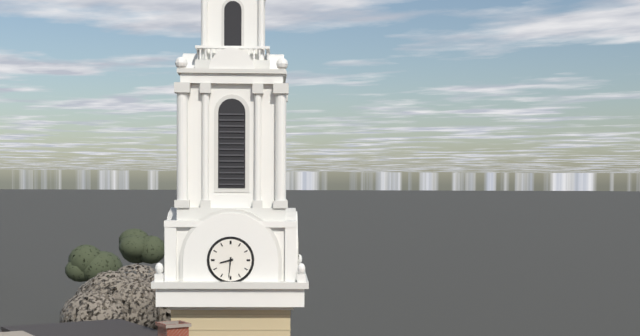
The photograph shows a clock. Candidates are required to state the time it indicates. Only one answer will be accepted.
8:31
